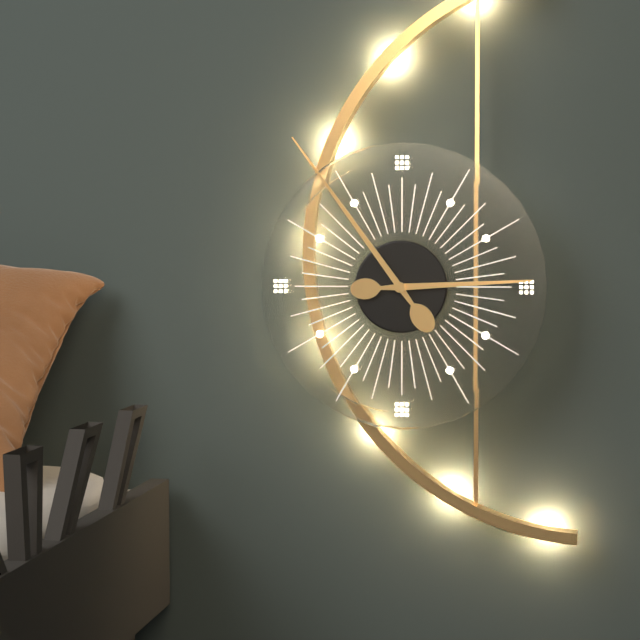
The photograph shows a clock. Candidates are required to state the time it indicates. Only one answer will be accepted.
2:54
